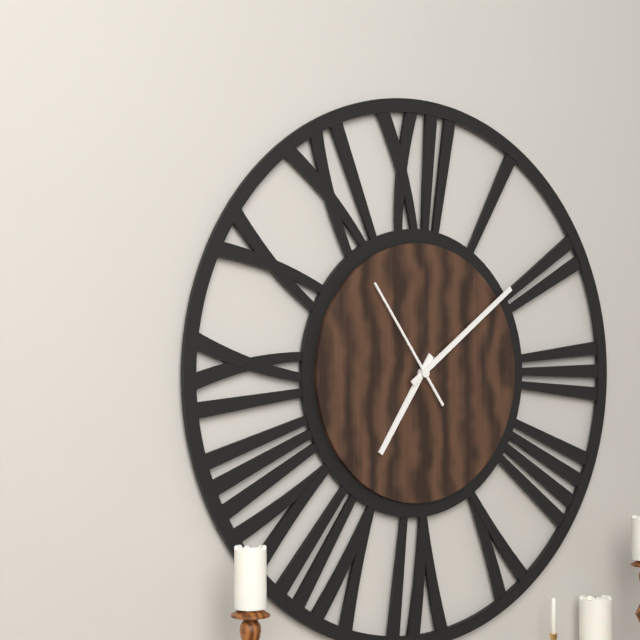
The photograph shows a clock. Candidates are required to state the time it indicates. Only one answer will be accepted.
7:09:54
